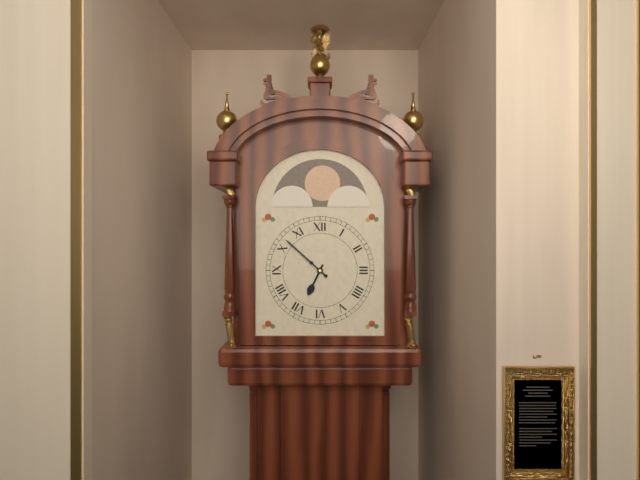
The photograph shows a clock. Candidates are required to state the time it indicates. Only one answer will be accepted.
6:52
